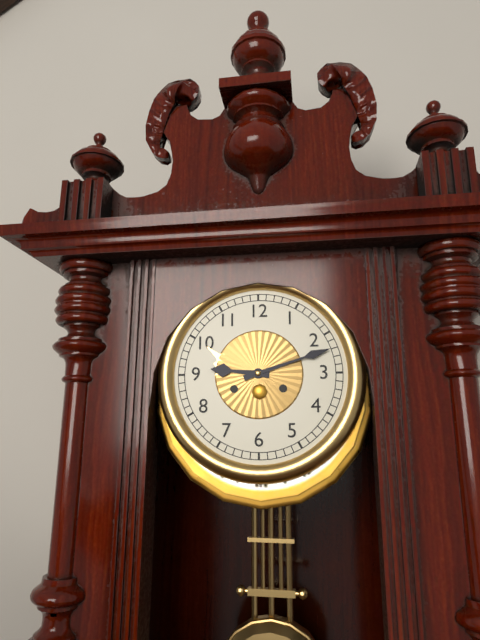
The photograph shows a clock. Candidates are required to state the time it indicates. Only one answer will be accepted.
9:12
